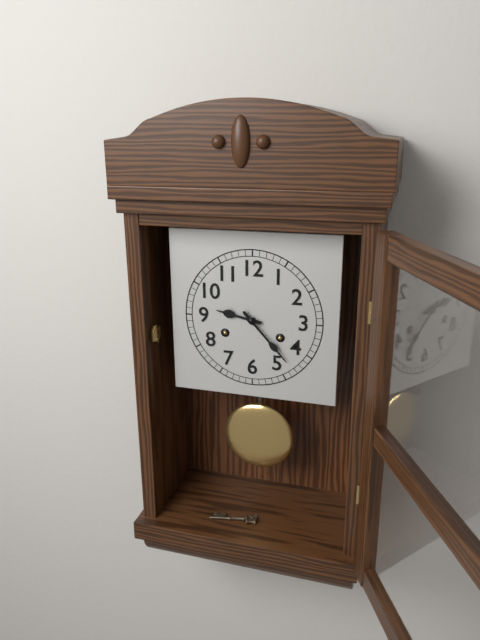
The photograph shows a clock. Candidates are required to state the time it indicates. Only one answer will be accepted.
9:23
